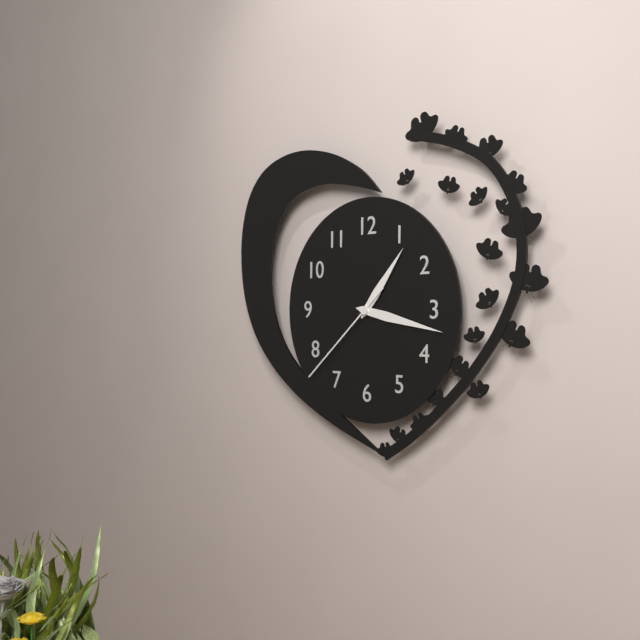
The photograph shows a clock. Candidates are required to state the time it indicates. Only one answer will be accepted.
1:17:38
